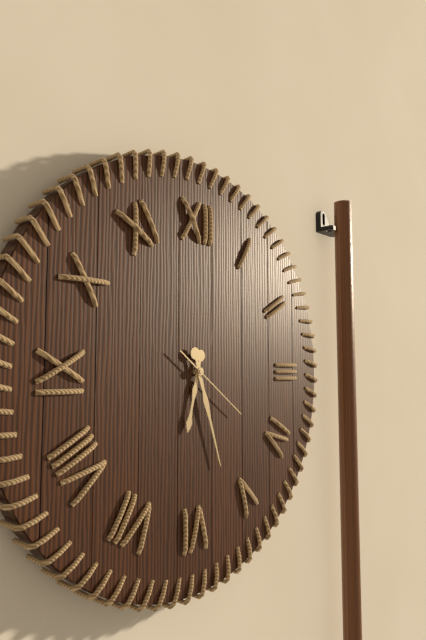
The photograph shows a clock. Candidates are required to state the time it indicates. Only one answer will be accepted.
6:27:21
